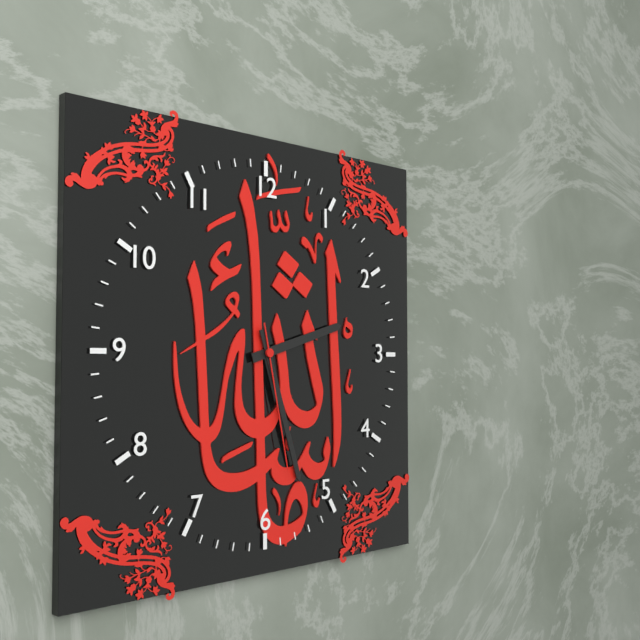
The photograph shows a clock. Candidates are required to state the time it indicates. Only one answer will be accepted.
2:27:28
